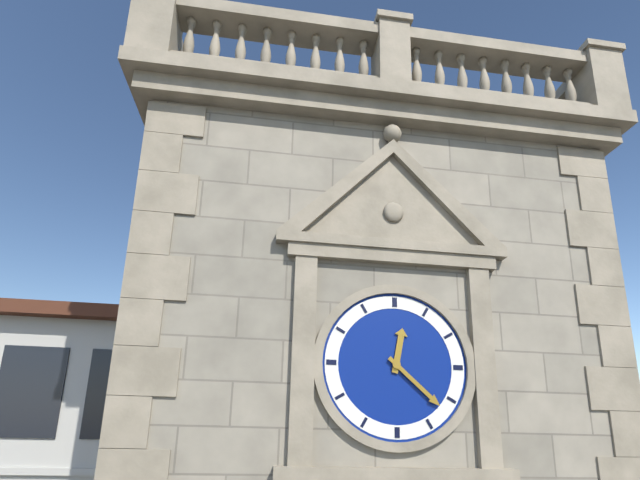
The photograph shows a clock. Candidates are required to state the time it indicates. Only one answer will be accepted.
12:22
